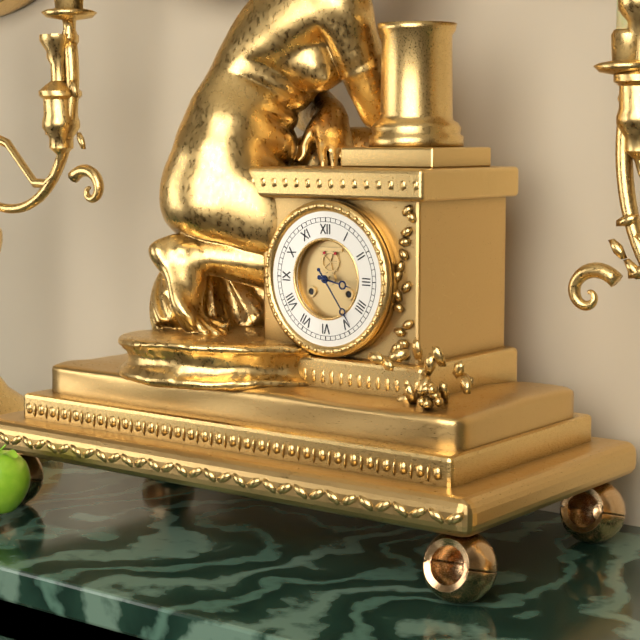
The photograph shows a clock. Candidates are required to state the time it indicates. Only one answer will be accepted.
3:24
